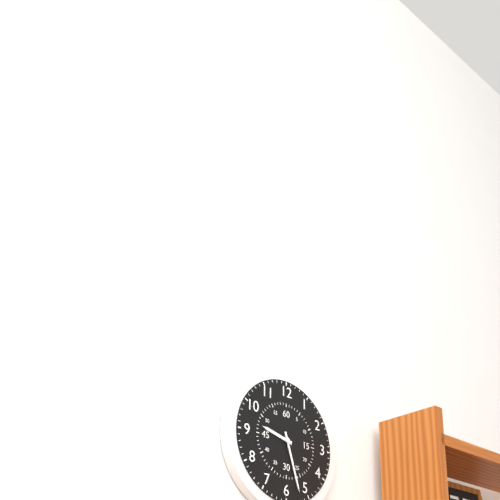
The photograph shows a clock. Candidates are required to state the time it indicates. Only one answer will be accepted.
9:27
